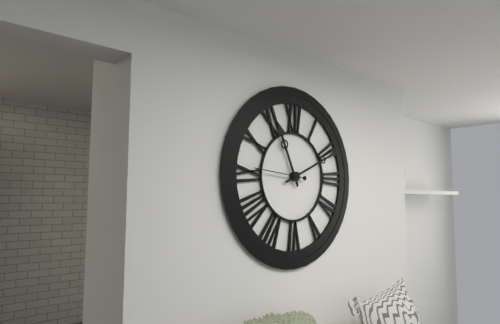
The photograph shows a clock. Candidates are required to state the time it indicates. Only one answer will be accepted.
11:11:46
